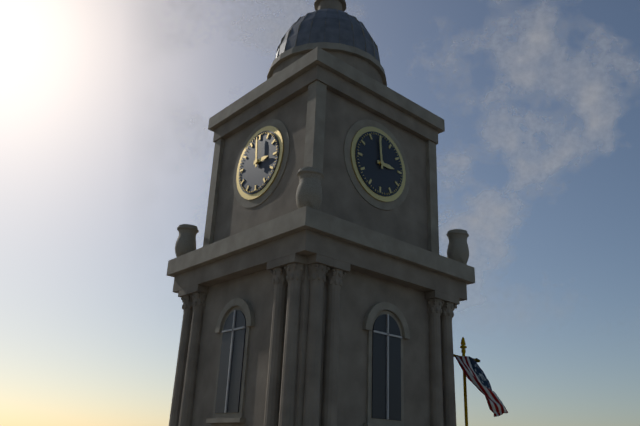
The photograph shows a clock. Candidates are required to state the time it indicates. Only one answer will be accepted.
2:59
